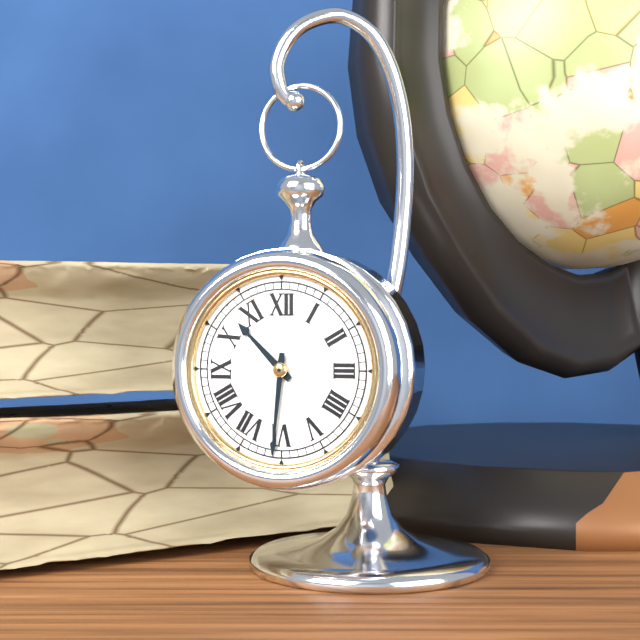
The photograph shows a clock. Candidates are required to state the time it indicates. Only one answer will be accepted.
10:31
